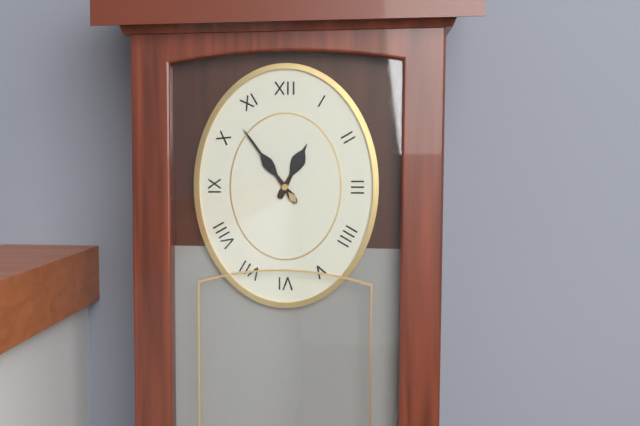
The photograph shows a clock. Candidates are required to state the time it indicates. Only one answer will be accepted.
12:54
